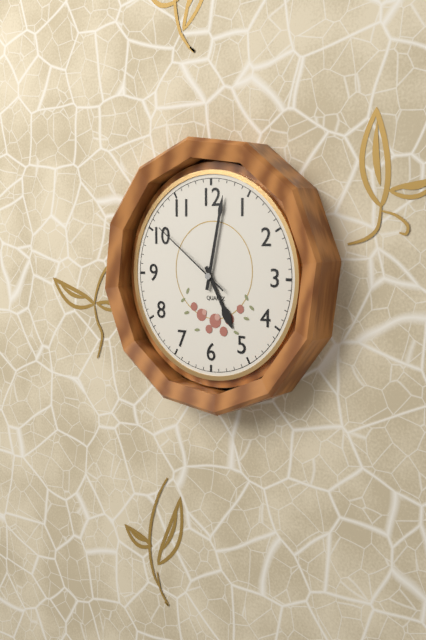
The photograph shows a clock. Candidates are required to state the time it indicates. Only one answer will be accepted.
5:02:51
